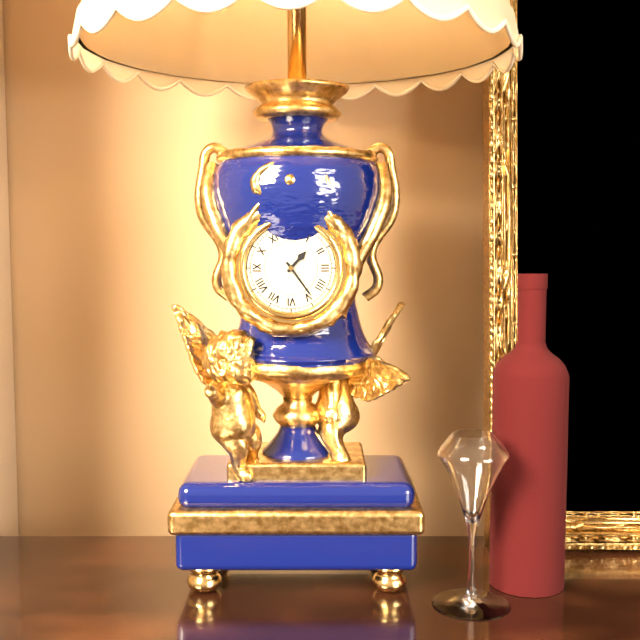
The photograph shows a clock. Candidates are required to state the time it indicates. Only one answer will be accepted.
1:24
